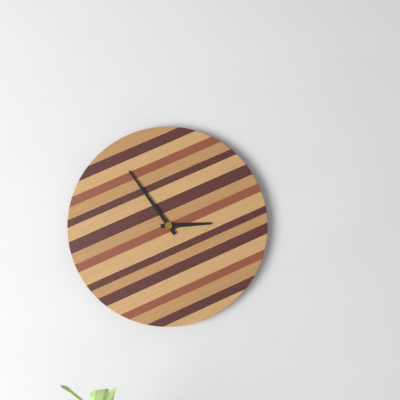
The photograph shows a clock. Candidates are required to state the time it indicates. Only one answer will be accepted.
2:54
